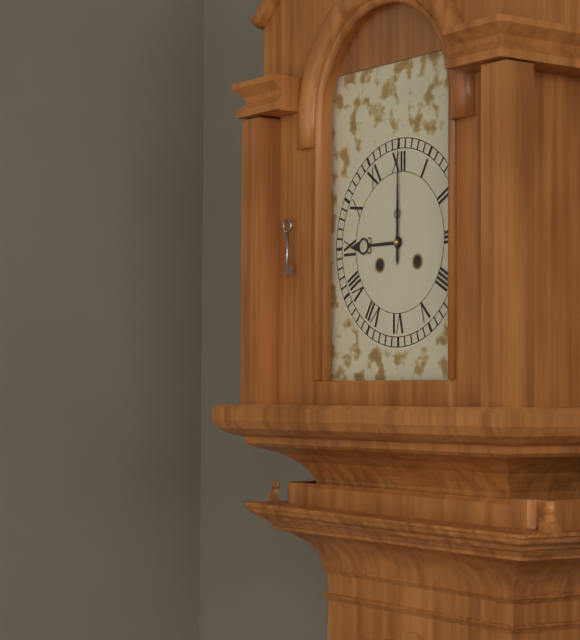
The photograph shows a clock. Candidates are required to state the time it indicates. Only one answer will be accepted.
9:00
